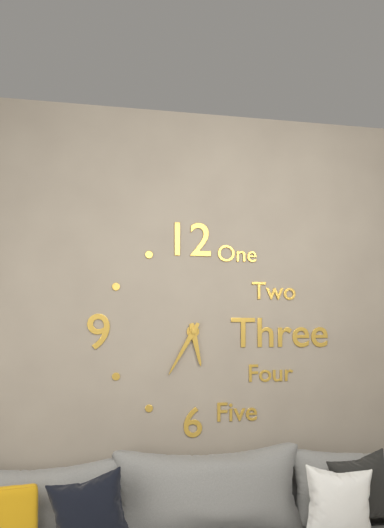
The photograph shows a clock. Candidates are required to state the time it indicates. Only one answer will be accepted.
5:35
